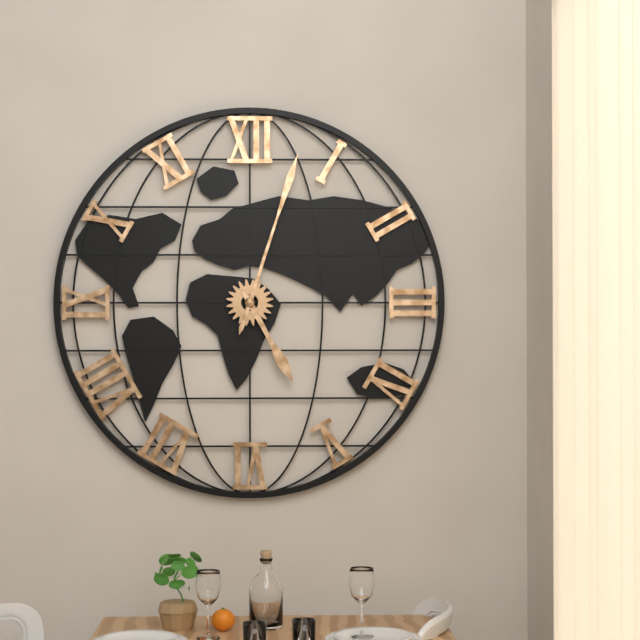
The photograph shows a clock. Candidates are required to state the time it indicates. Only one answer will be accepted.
5:03
